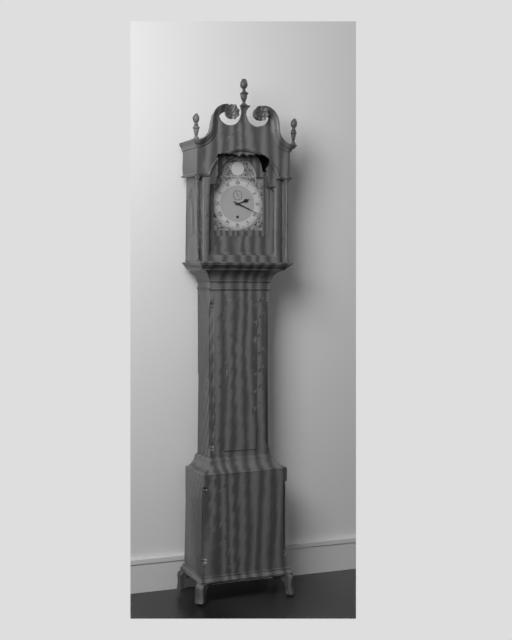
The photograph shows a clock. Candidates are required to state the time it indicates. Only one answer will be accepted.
2:19
